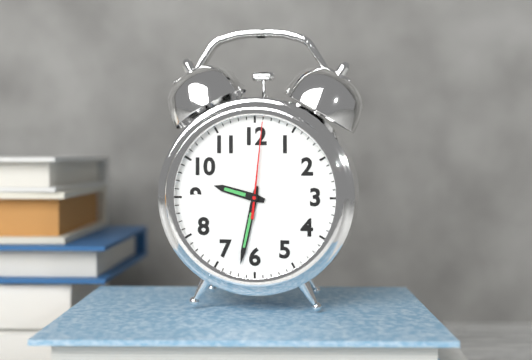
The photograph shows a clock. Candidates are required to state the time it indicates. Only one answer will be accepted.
9:32:01
